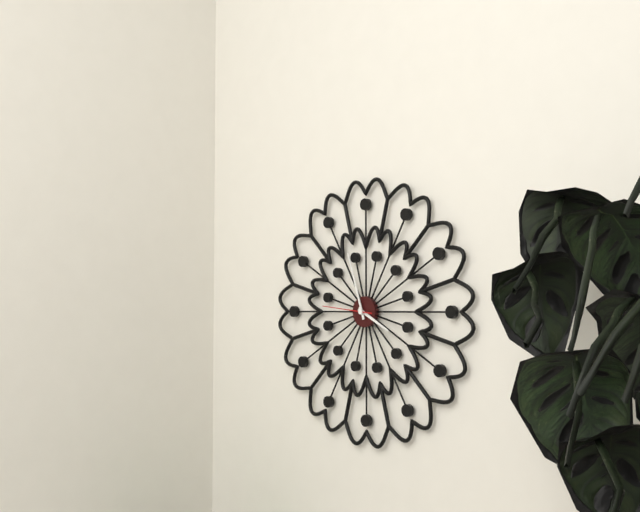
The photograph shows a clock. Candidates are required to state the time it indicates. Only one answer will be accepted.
3:57:46
